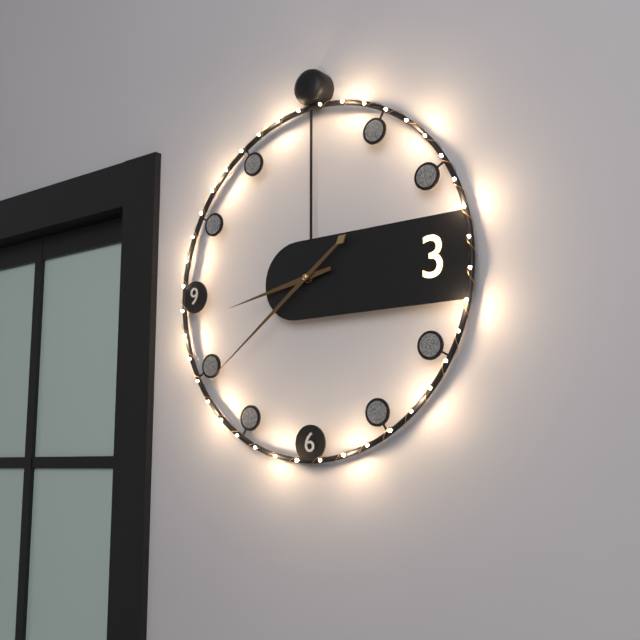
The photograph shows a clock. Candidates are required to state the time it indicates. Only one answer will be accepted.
8:39
